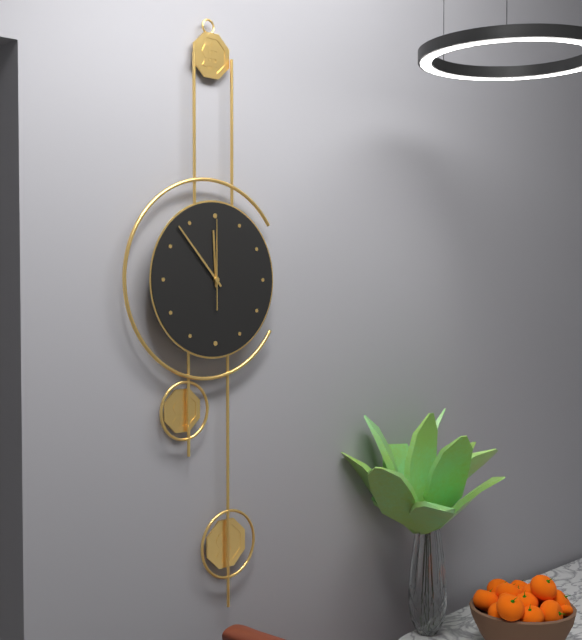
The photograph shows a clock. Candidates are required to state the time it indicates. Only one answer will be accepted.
11:53:00
